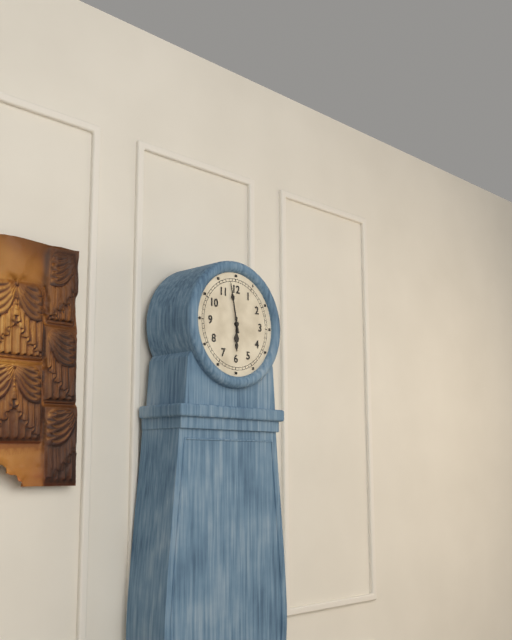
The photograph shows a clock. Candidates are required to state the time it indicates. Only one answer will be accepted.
5:58
